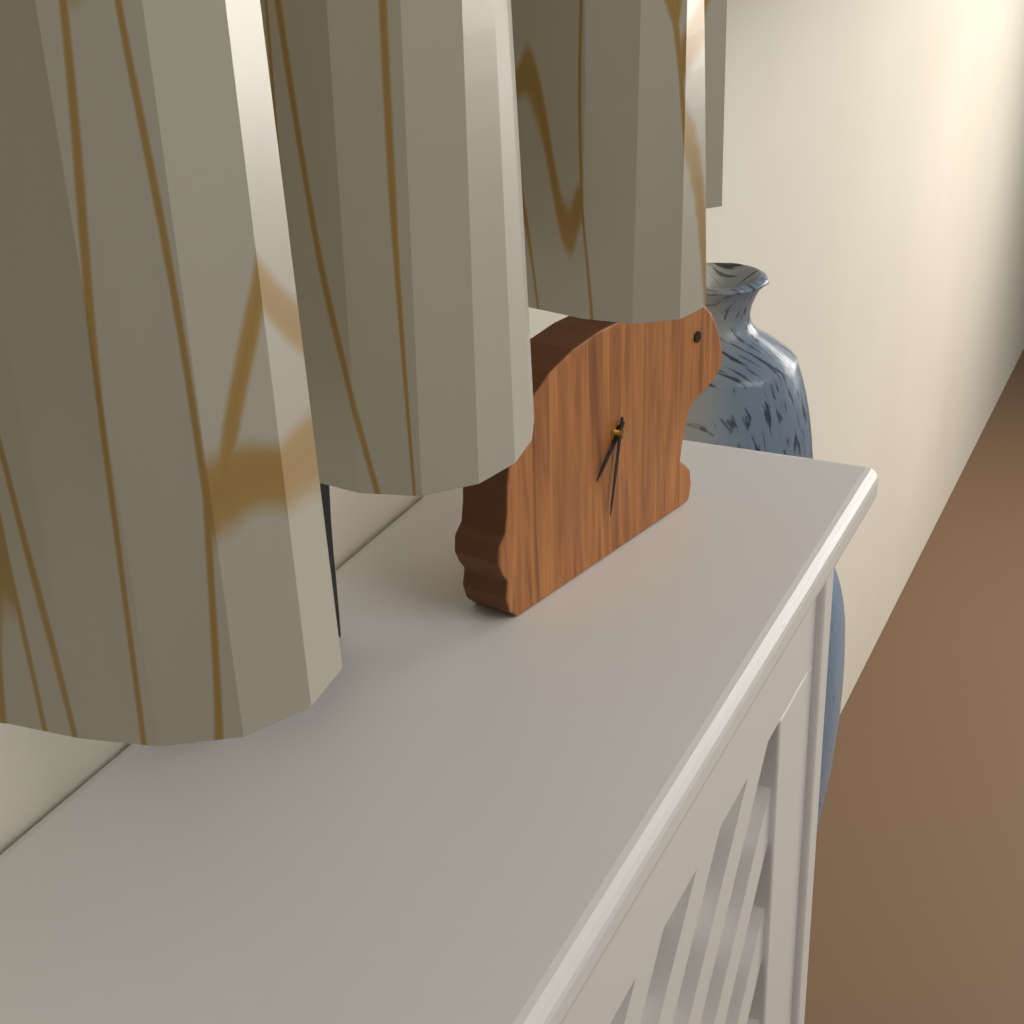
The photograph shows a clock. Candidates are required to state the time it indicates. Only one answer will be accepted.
7:32
